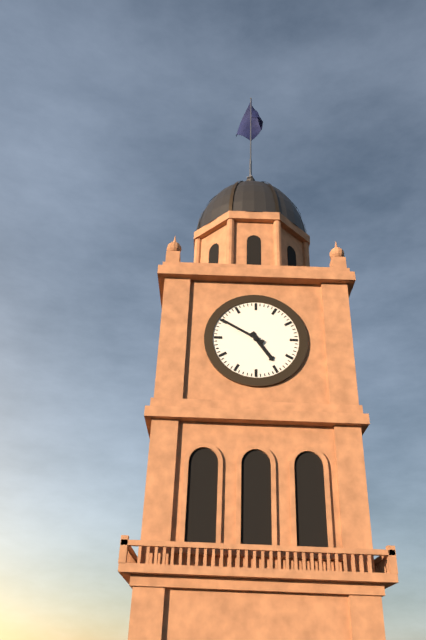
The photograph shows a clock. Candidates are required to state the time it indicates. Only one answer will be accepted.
4:50
